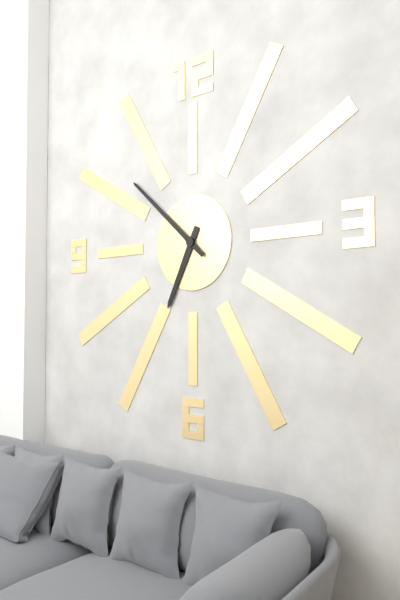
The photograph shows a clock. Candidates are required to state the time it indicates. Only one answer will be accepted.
6:52
